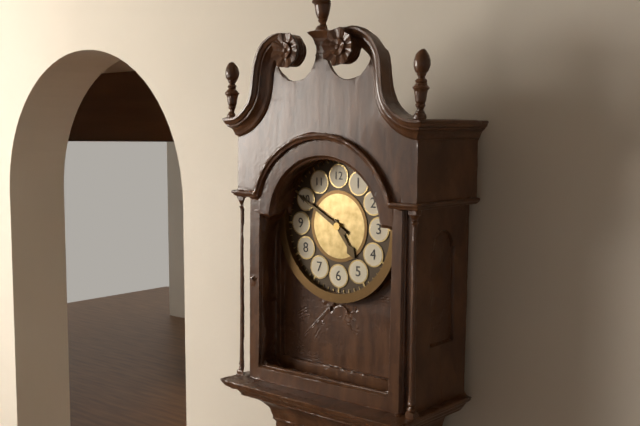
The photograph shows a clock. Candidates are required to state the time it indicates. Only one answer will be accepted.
4:50
